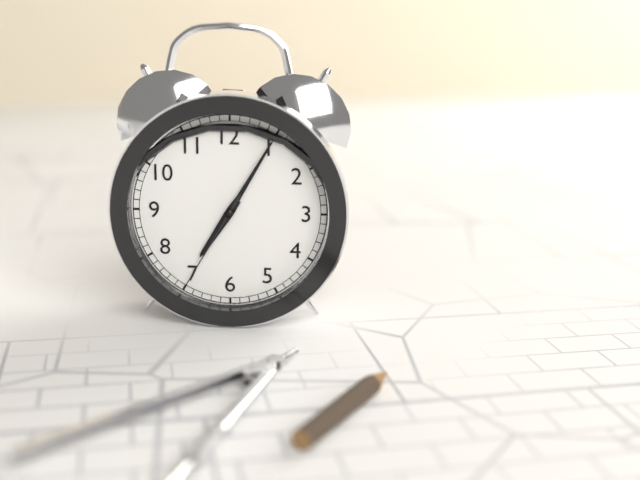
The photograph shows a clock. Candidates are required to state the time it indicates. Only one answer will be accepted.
7:05:35
